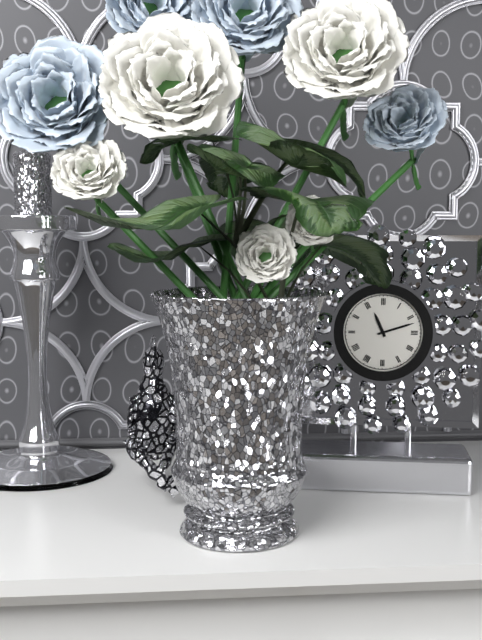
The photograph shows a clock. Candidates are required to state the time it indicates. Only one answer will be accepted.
11:12
